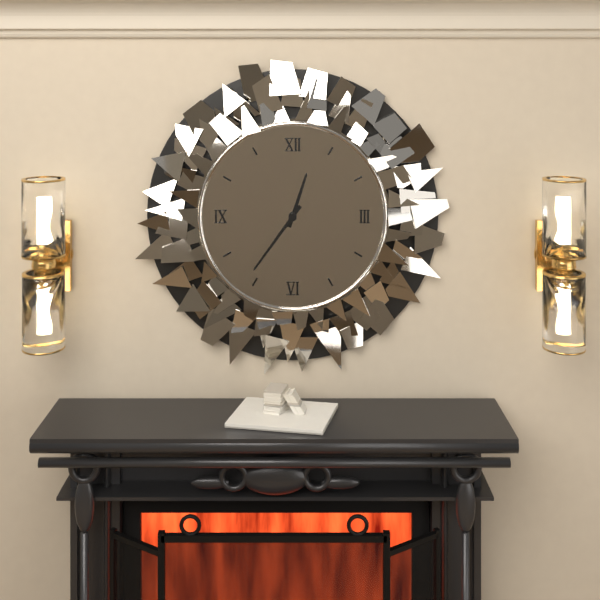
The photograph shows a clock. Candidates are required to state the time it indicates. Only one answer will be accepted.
12:36
